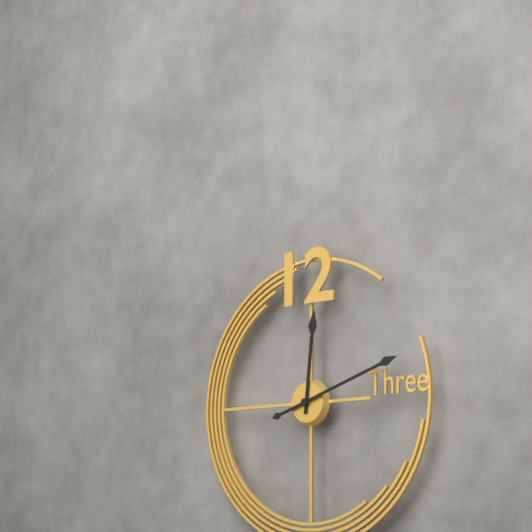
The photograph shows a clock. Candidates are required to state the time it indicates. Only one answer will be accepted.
12:12
